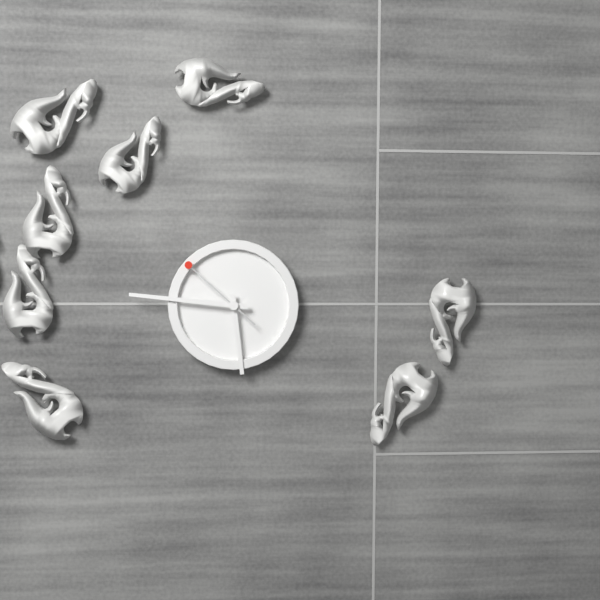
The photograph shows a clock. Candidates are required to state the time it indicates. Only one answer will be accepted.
5:46:52
